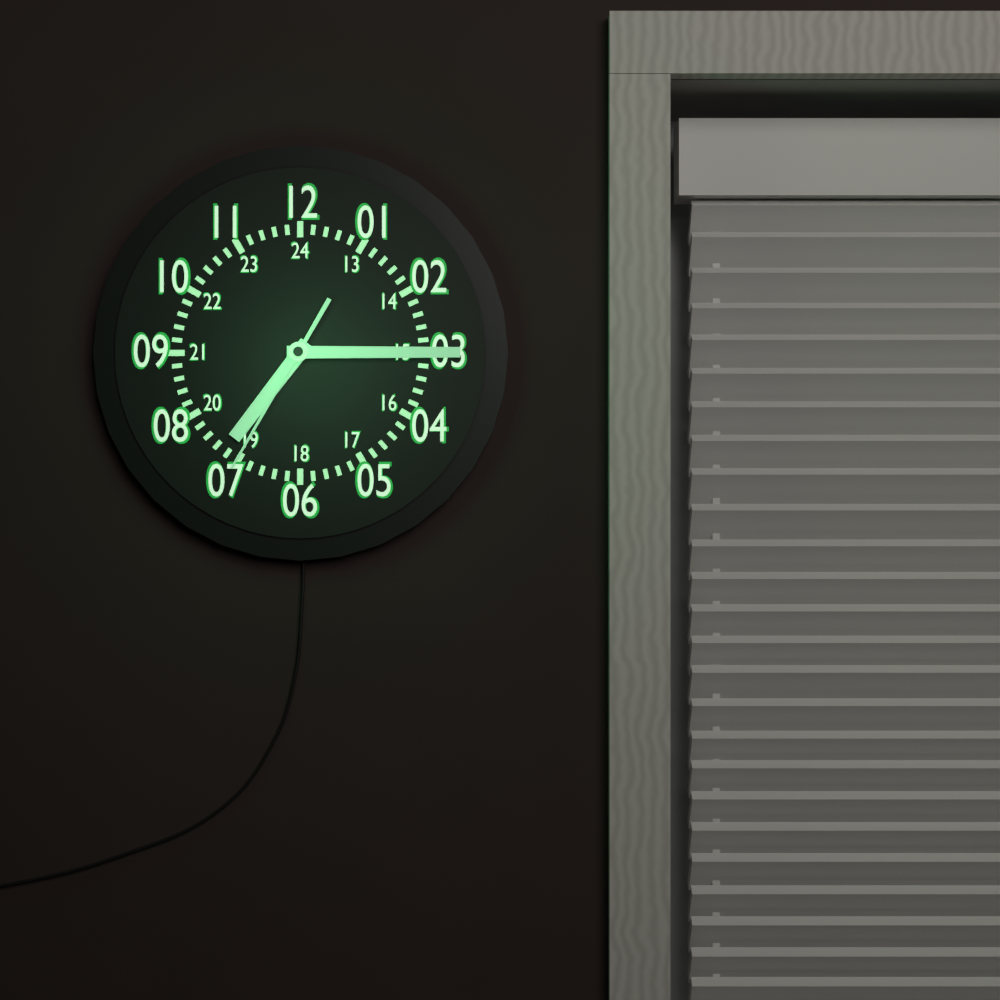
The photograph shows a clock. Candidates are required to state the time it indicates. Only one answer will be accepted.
7:15:35
